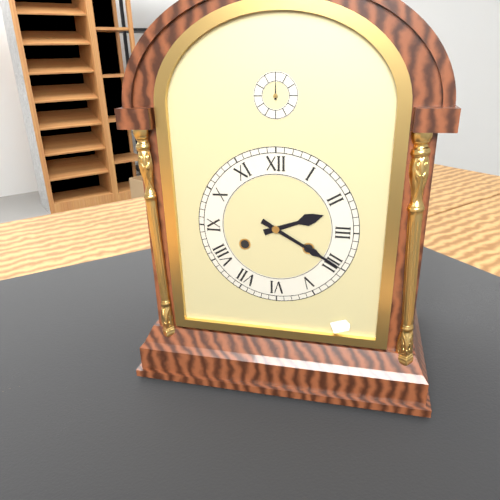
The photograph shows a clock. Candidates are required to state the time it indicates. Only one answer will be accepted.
2:20
